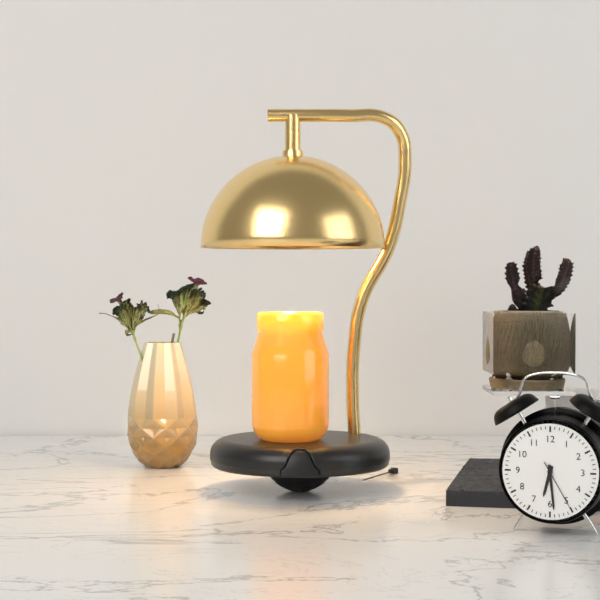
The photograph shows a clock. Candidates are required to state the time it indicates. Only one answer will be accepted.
6:29:25
